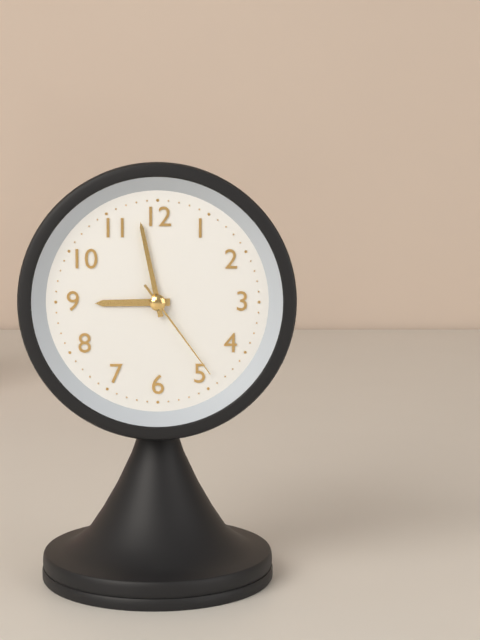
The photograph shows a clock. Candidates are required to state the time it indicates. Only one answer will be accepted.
8:58:24
